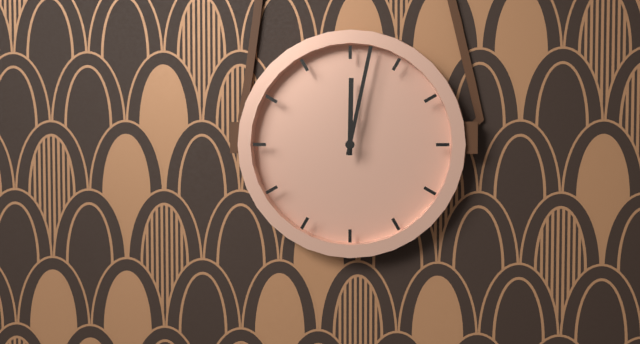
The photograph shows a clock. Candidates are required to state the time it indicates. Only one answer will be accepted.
12:02
